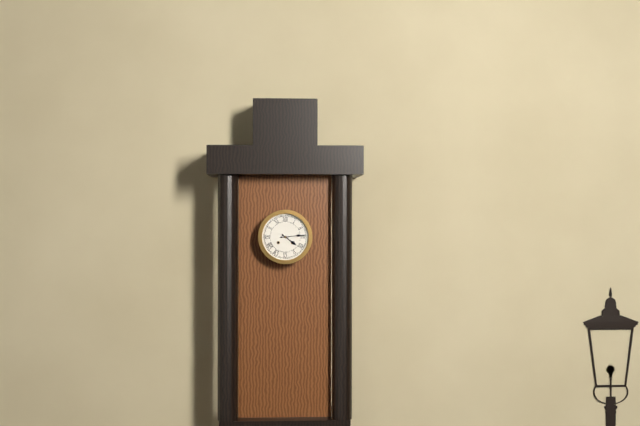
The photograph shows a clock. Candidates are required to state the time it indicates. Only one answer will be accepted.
4:14
